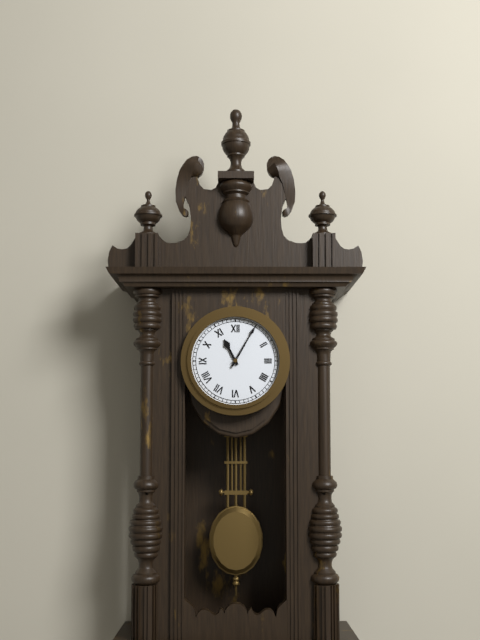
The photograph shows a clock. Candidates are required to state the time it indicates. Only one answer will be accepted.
11:05
